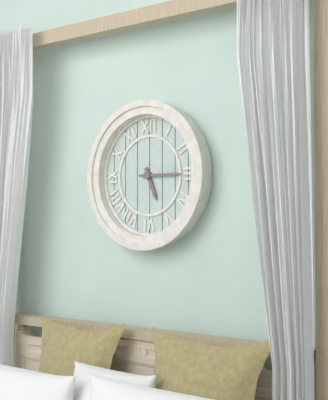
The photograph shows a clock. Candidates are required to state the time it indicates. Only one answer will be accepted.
5:15
